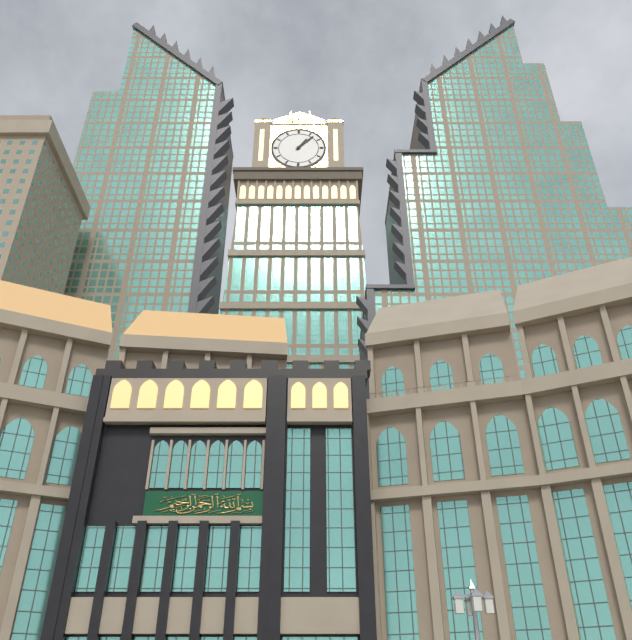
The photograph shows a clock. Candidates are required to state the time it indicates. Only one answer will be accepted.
1:07
